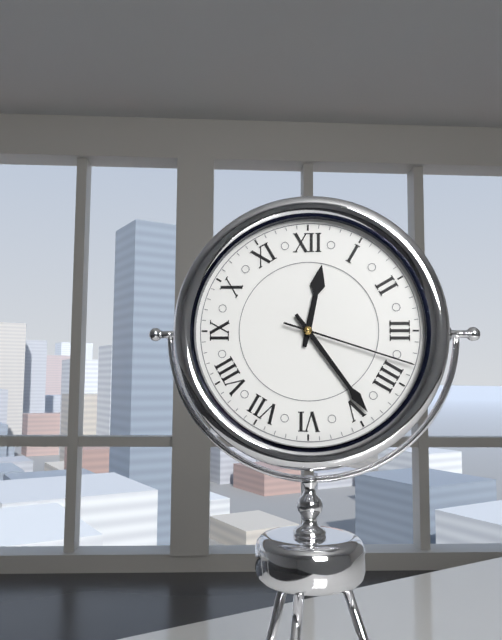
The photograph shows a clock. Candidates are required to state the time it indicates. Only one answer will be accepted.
12:24:18
